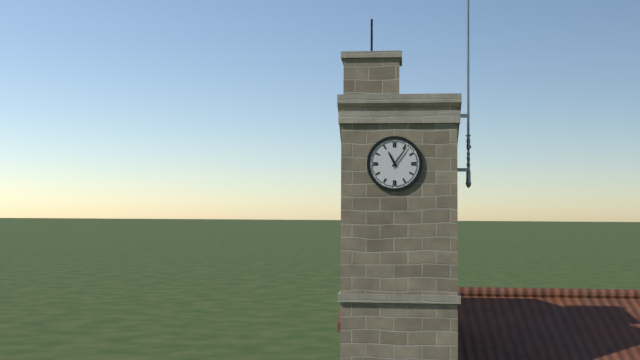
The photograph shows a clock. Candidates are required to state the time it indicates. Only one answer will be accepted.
11:06
